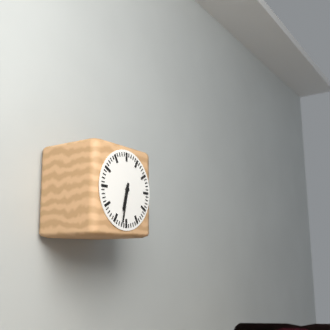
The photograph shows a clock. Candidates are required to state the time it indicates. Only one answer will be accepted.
6:32
